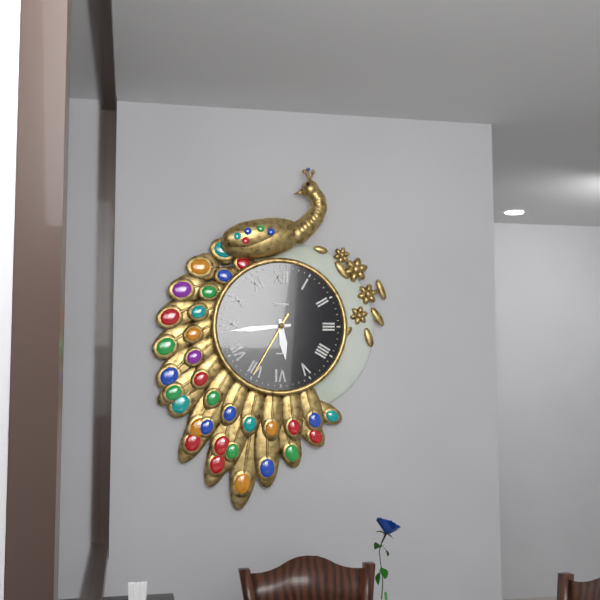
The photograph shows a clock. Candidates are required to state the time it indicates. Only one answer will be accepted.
5:44:35
